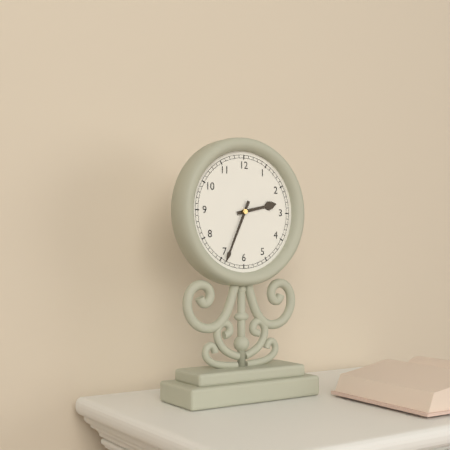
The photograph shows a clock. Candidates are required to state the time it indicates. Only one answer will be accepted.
2:34
